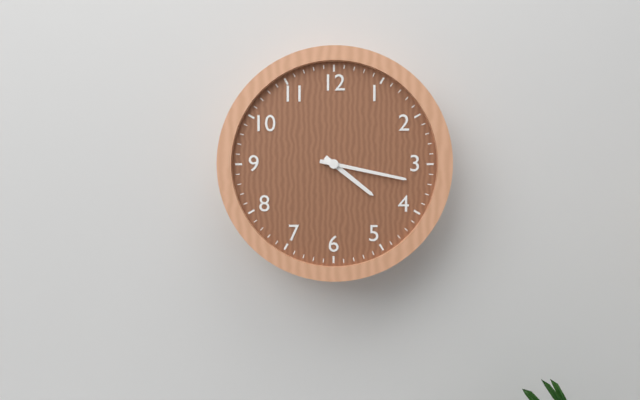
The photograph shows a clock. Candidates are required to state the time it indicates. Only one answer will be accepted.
4:17
